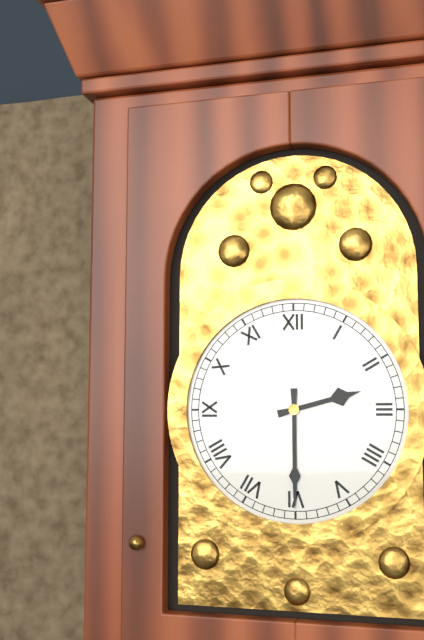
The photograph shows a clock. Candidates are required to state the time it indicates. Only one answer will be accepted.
2:30
